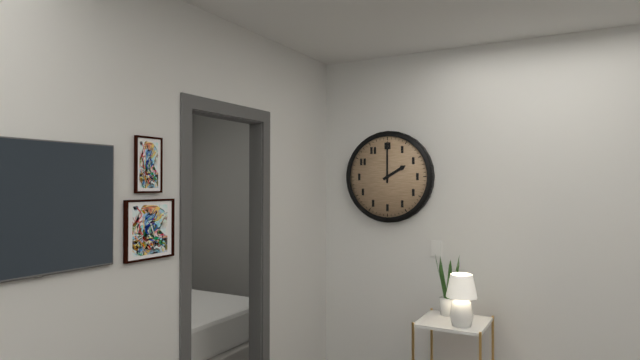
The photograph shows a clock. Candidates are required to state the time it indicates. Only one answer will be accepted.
2:00
